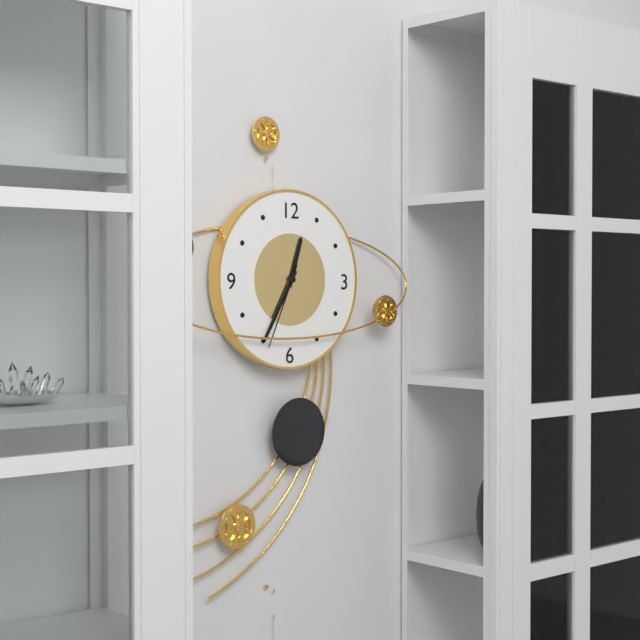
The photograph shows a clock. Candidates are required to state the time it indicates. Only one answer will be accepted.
12:35:34
